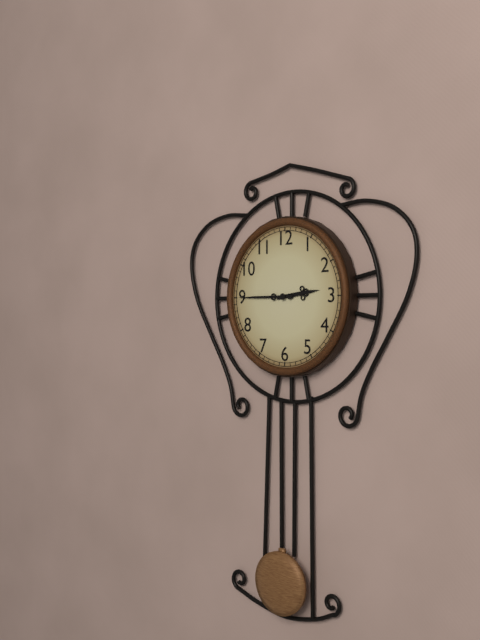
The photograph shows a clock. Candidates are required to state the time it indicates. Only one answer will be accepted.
2:45
